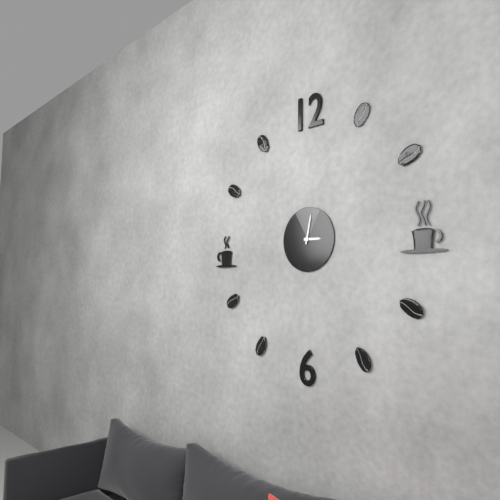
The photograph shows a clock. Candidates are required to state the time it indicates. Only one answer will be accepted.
3:02
